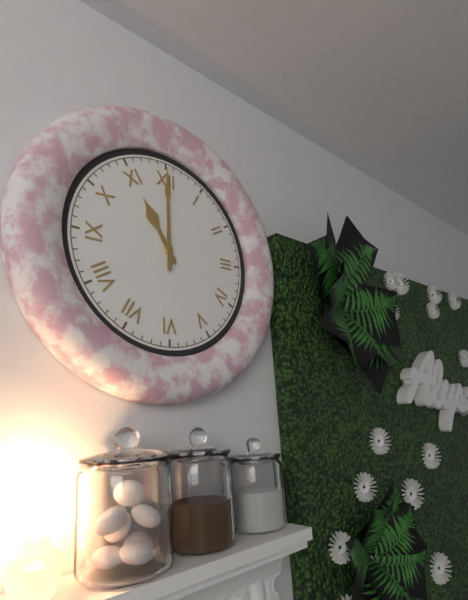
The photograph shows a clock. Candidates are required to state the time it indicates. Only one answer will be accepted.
11:00
